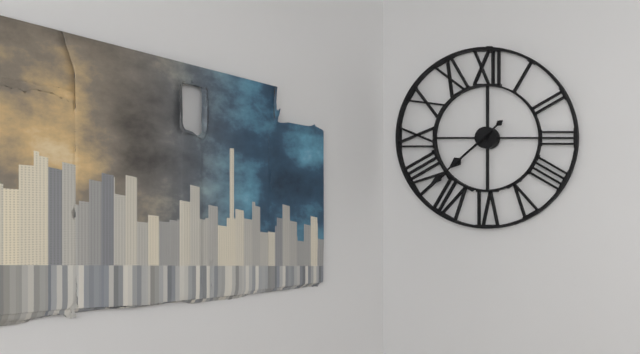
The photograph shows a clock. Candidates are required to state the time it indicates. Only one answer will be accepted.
7:38
